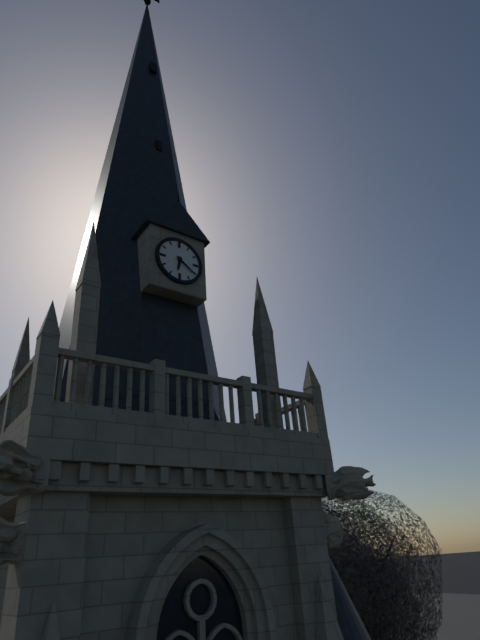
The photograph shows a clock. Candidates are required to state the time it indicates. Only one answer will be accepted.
6:21
